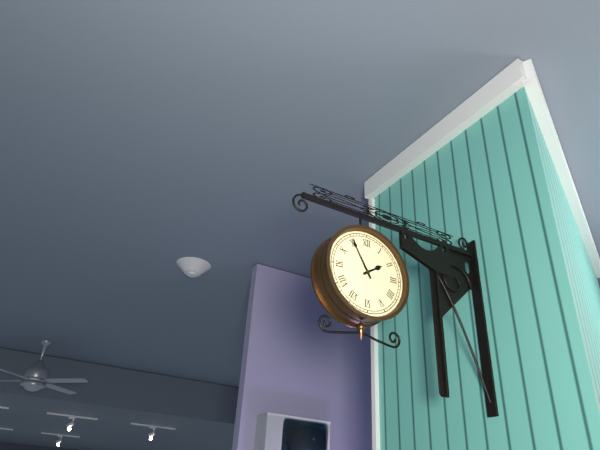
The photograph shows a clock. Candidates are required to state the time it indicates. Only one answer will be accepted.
1:55
